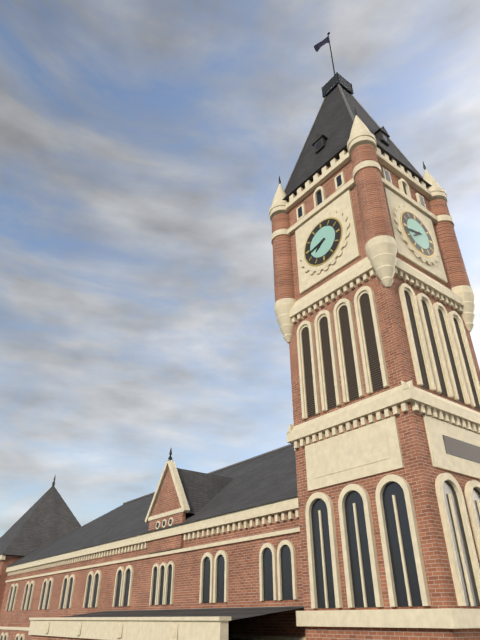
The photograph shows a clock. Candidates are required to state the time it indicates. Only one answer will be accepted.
7:43
